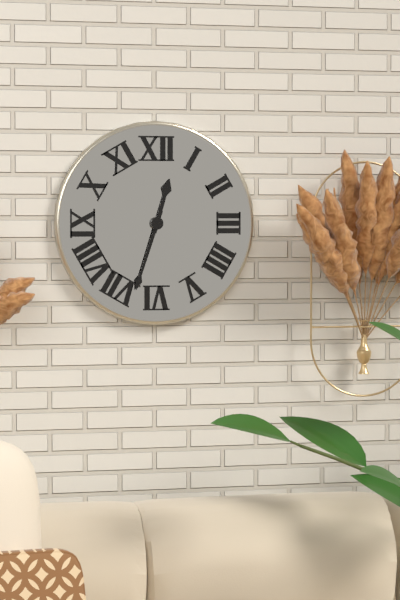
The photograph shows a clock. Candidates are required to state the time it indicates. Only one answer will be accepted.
12:33
